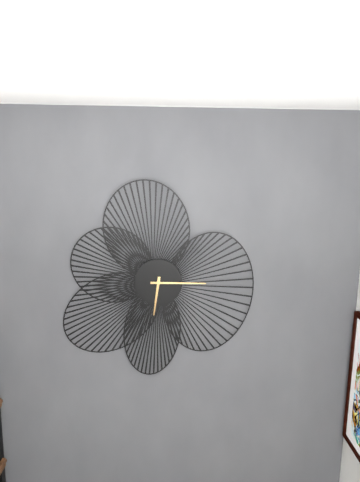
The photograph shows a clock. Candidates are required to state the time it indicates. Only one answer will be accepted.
6:15
